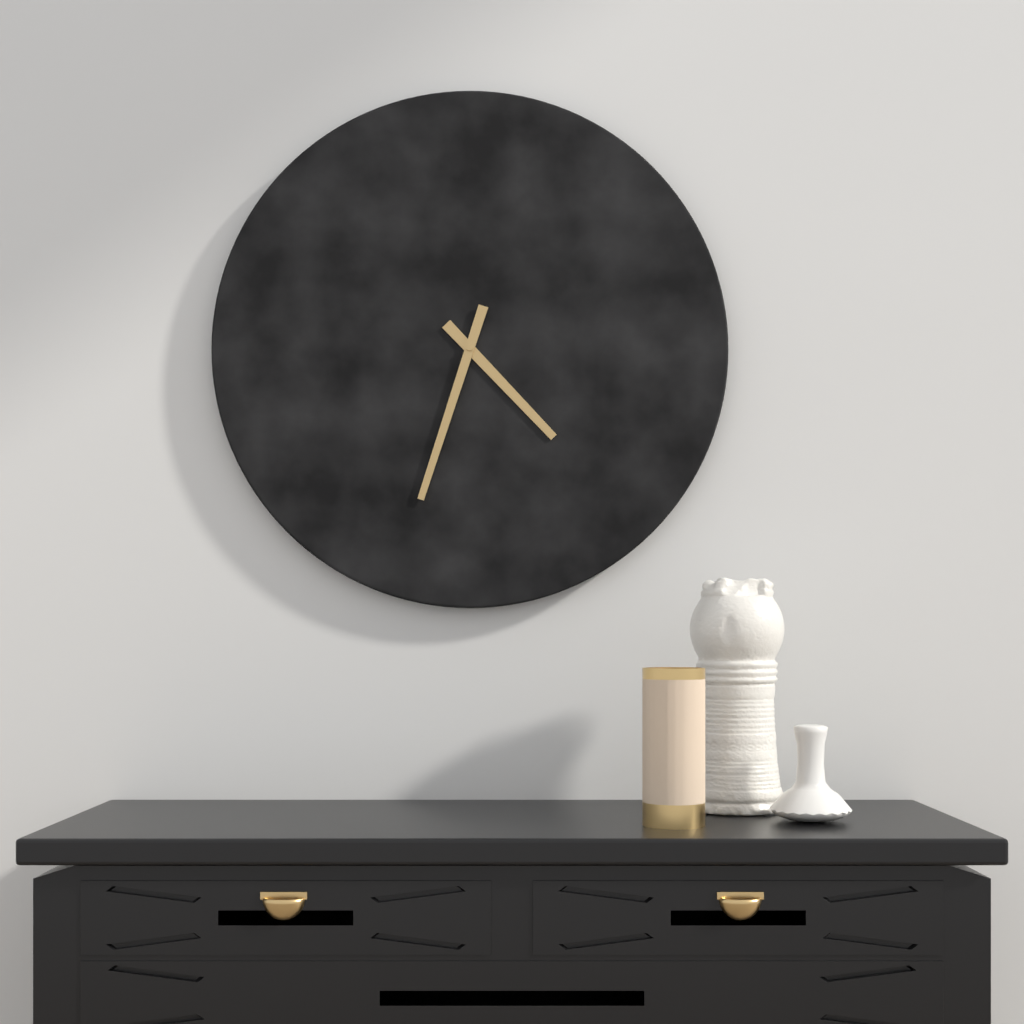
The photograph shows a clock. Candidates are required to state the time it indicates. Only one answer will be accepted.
4:33
